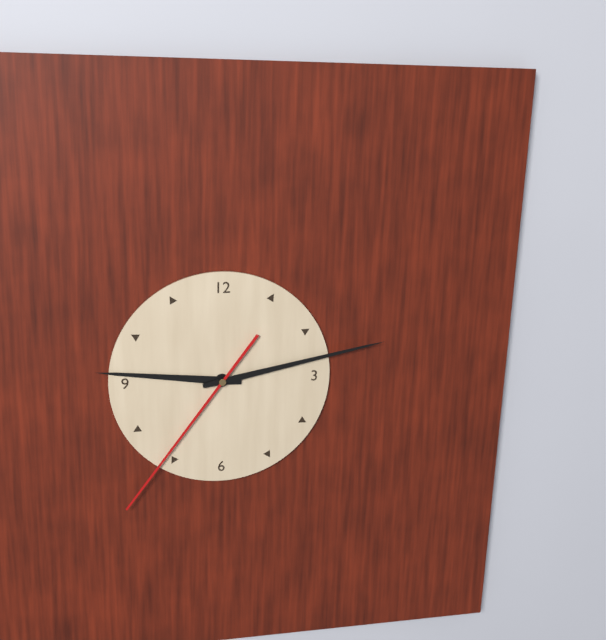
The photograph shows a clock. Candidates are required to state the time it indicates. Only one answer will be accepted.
9:13:36
